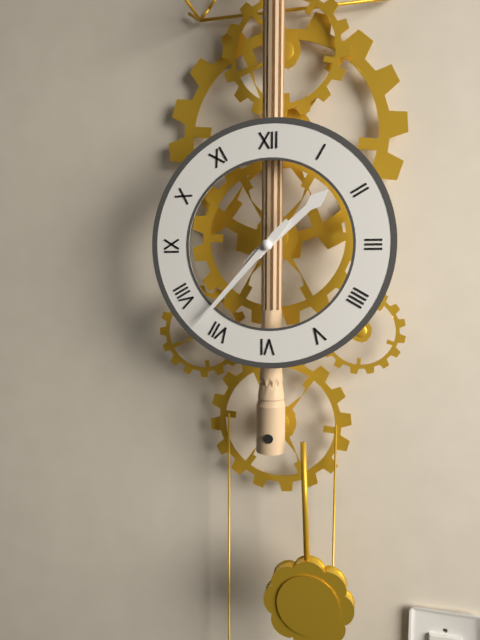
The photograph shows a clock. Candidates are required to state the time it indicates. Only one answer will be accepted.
1:37
